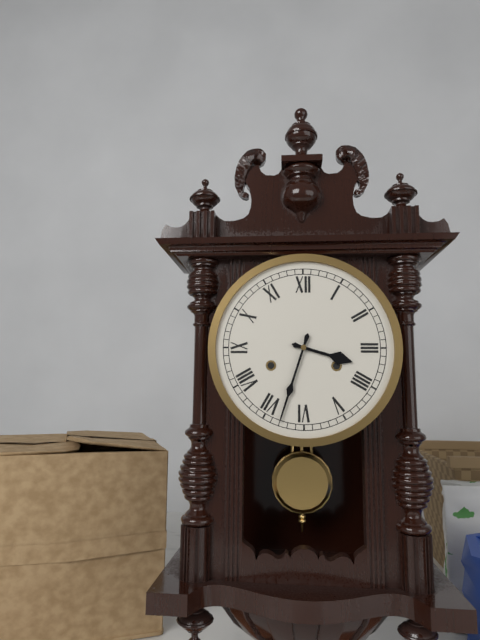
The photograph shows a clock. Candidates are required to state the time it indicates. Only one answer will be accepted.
3:33
